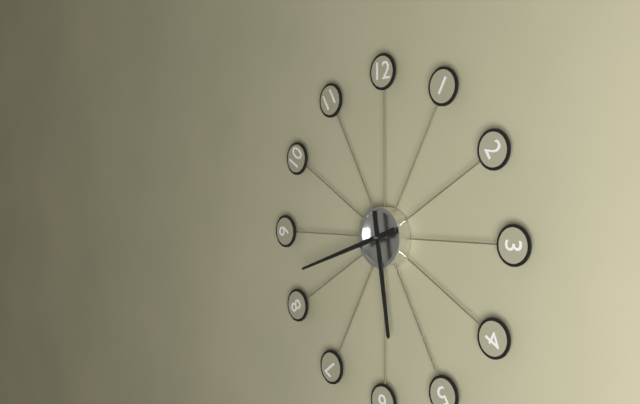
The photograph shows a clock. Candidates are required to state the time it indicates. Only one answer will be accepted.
5:42
